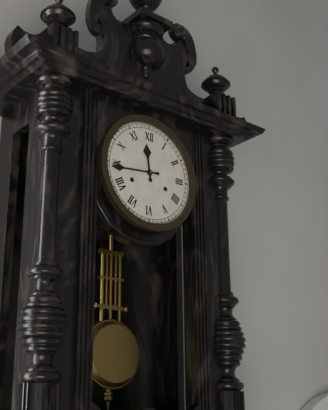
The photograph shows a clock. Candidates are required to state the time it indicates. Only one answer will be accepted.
11:44
